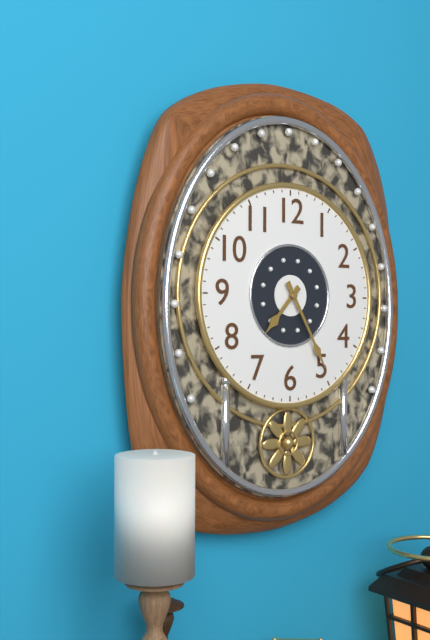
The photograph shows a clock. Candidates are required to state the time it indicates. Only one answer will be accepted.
7:25
